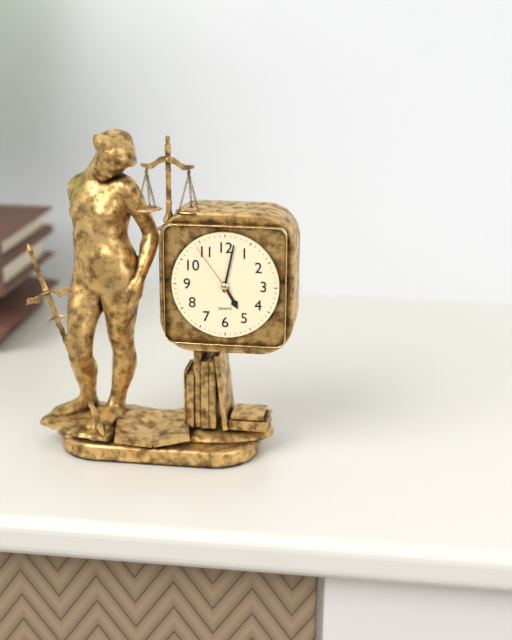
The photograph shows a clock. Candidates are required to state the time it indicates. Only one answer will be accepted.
5:02:54
